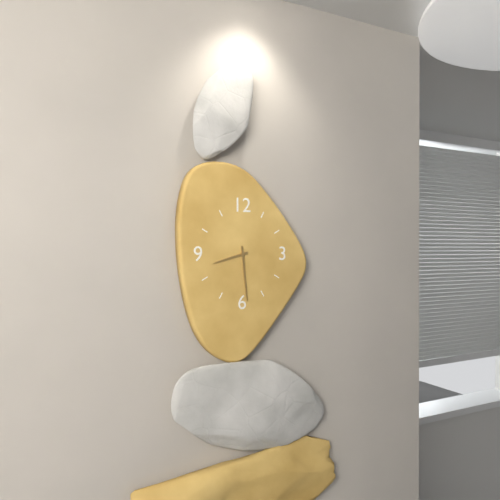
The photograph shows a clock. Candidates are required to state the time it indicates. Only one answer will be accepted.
8:29
